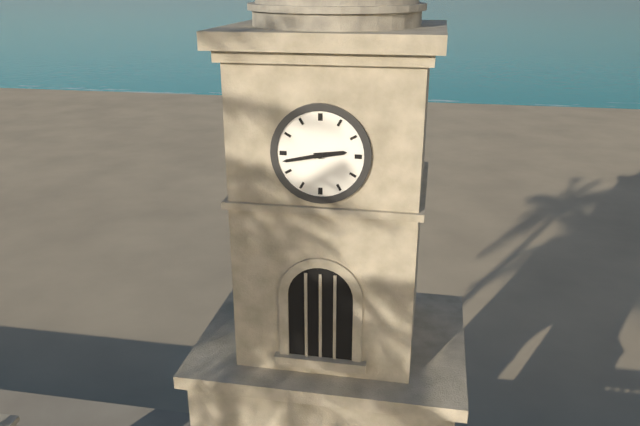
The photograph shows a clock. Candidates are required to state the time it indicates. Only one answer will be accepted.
2:43
